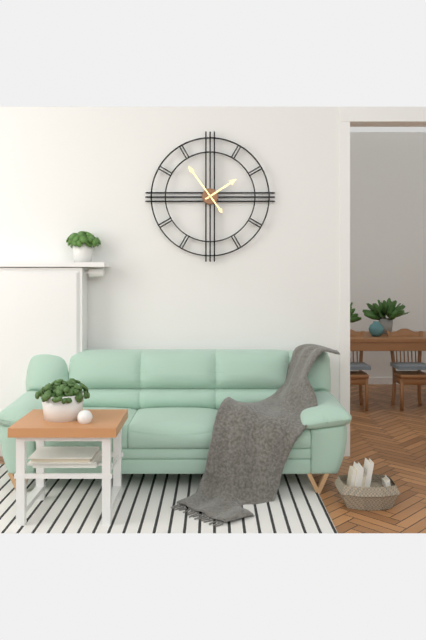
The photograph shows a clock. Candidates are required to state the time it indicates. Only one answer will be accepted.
1:54
